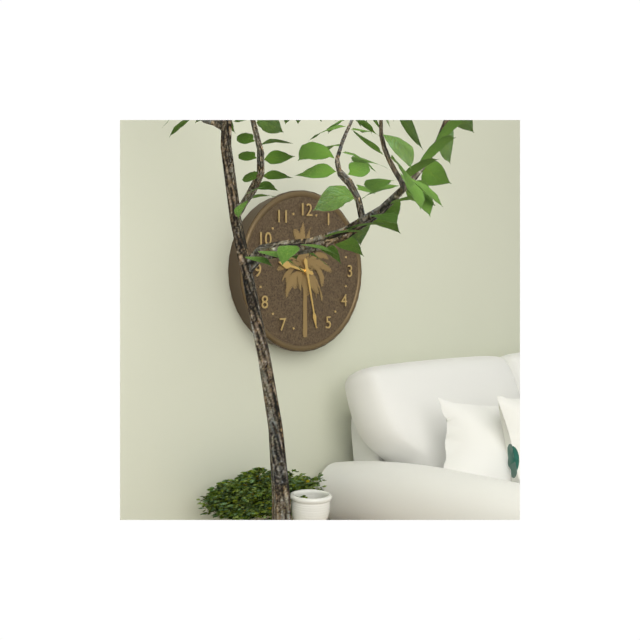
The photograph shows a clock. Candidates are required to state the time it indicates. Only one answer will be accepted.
9:28
